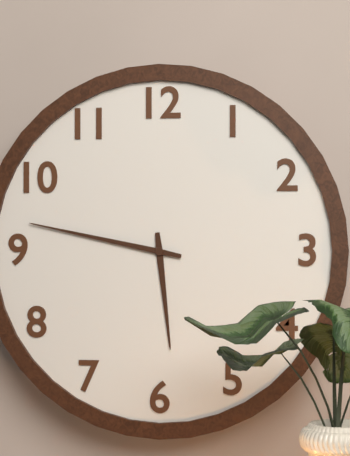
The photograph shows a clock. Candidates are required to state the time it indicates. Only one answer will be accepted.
5:47
